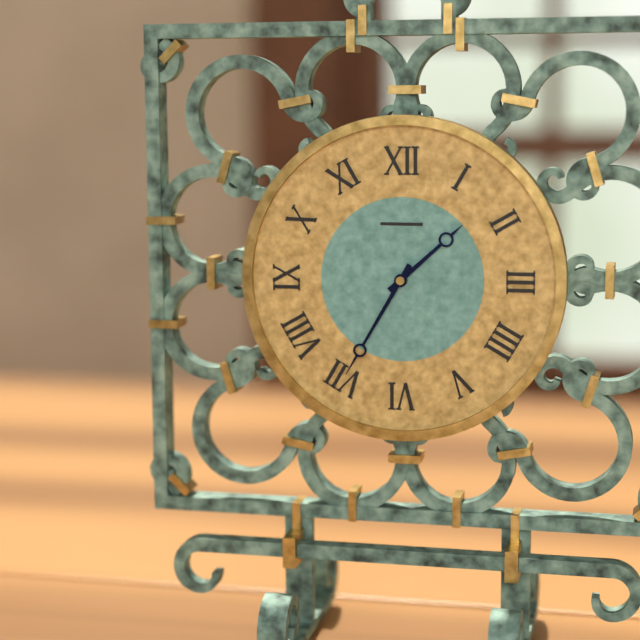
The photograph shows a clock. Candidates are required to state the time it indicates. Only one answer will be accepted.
1:35
